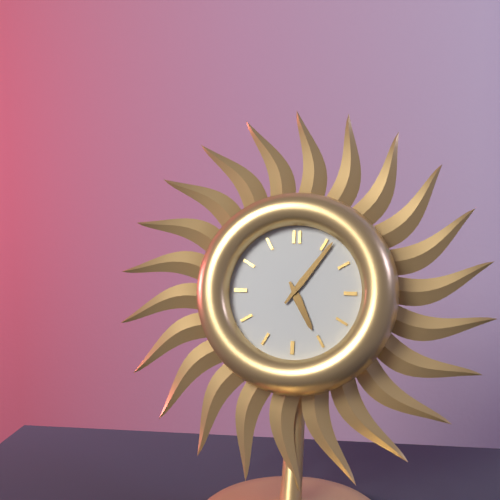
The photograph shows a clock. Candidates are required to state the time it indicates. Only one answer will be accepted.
5:06
